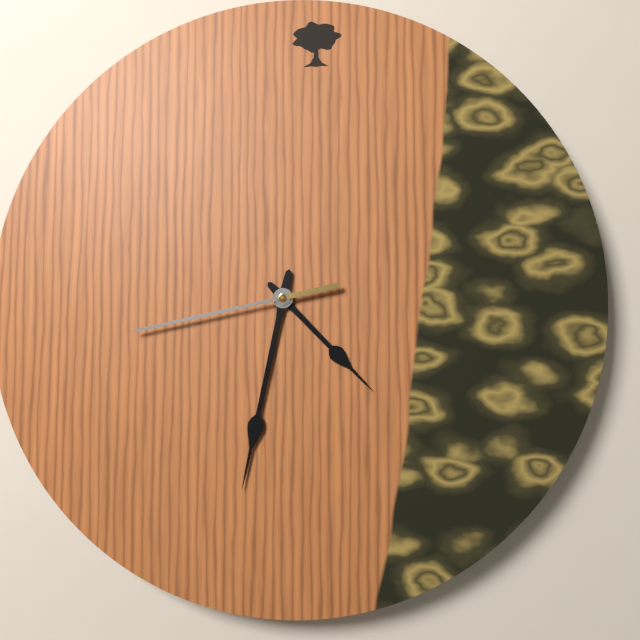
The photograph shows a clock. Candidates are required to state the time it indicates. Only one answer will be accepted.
4:32:43
